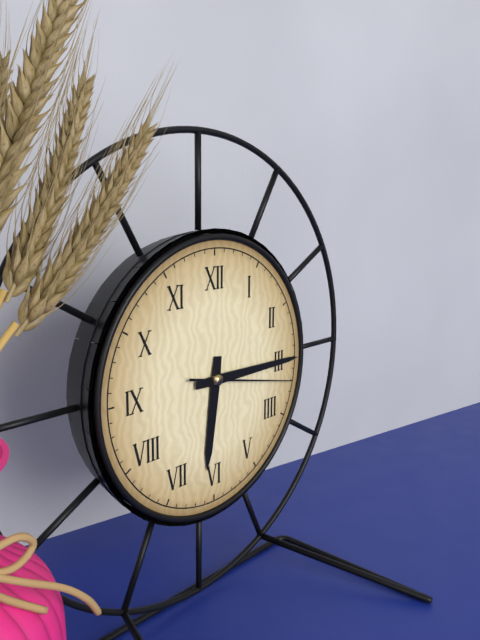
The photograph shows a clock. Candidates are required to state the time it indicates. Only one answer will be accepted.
6:15:17
